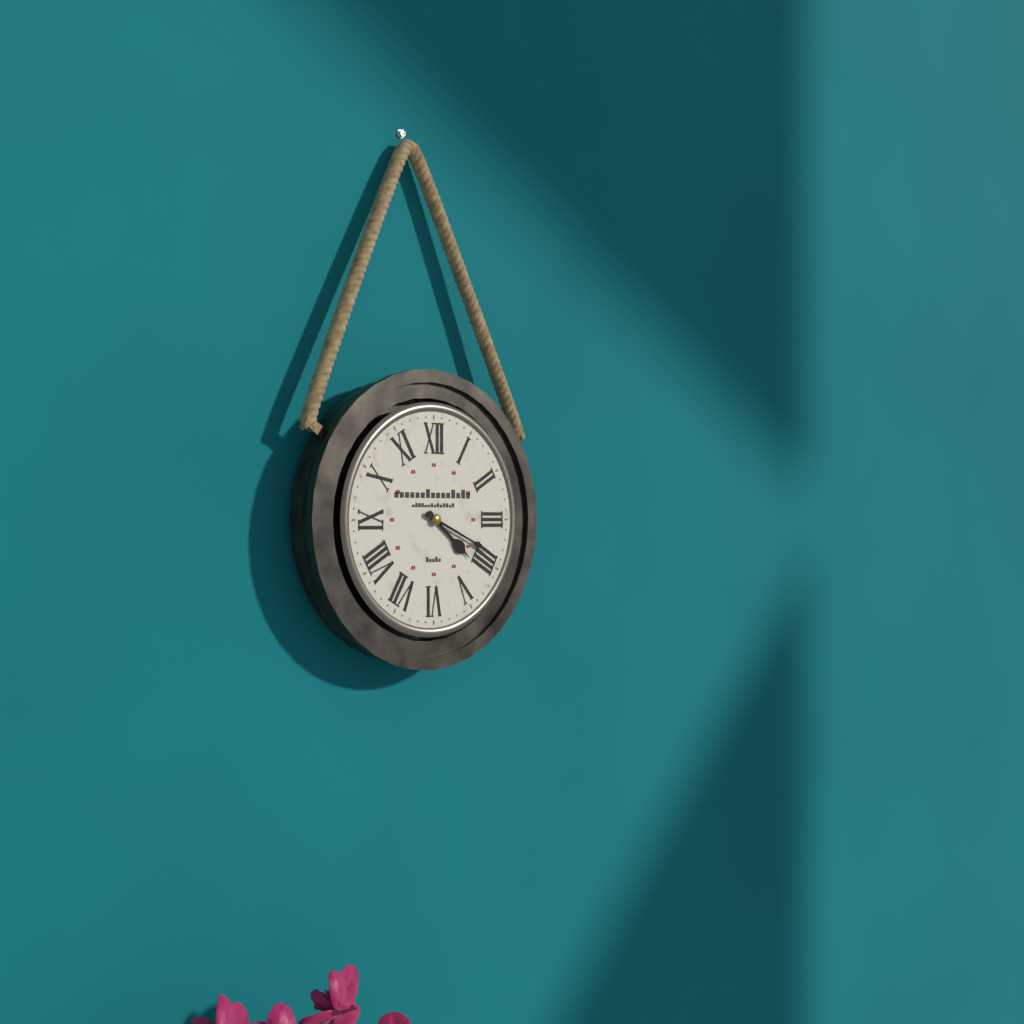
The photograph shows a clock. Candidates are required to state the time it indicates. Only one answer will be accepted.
4:19
